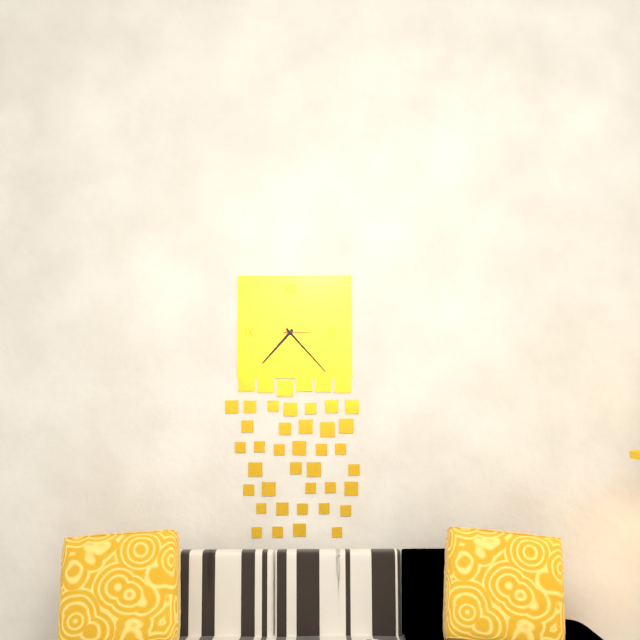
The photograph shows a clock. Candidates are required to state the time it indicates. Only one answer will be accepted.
7:23
